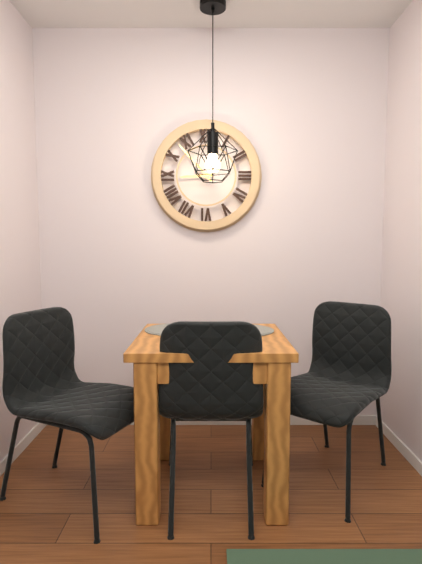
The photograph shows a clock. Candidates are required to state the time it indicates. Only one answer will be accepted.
8:53
